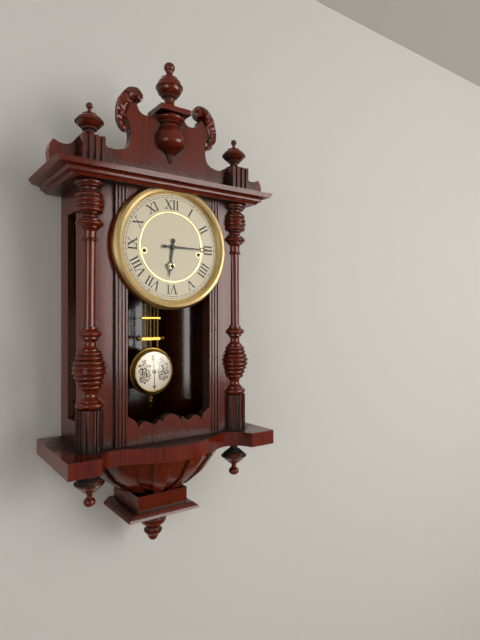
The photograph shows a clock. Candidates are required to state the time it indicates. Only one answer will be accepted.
6:15
